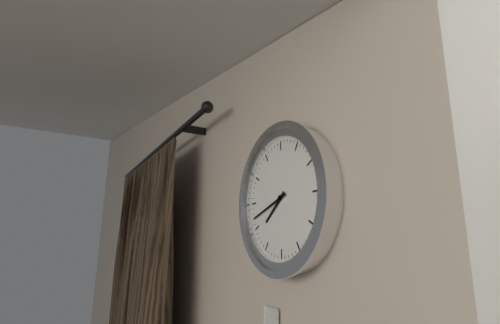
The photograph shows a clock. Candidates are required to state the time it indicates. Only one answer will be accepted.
7:42
